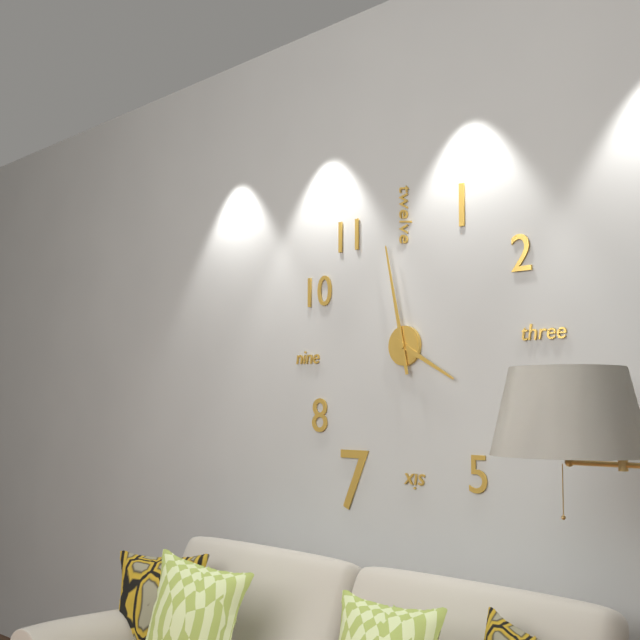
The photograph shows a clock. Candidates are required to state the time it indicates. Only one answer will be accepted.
3:58
